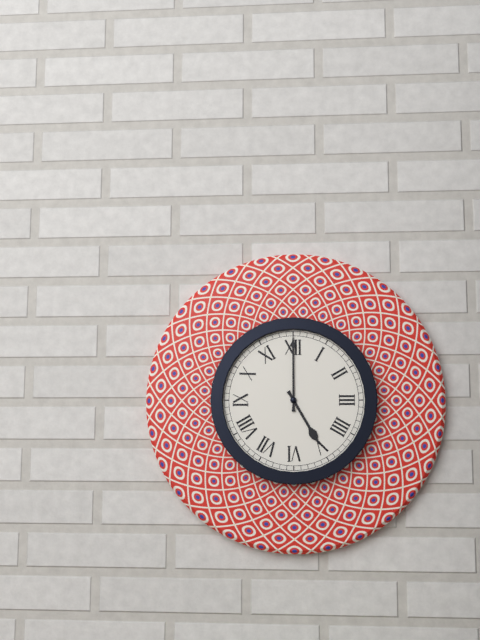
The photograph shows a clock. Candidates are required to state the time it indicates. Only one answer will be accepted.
5:00
